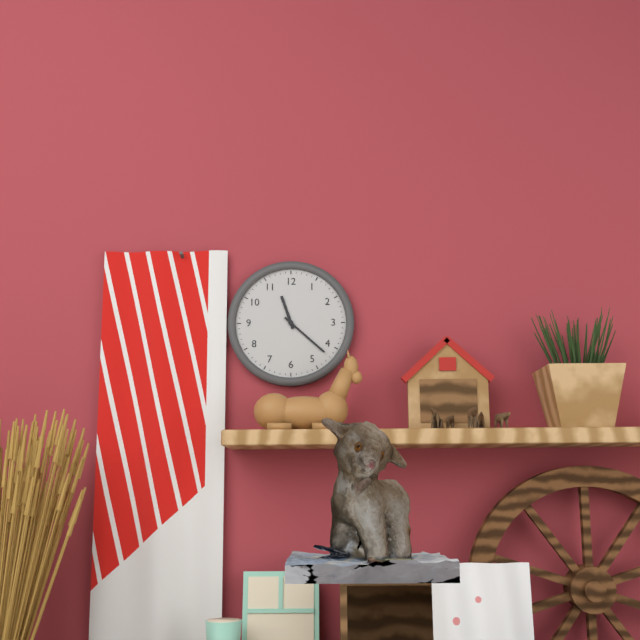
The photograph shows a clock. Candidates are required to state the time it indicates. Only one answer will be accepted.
11:22
